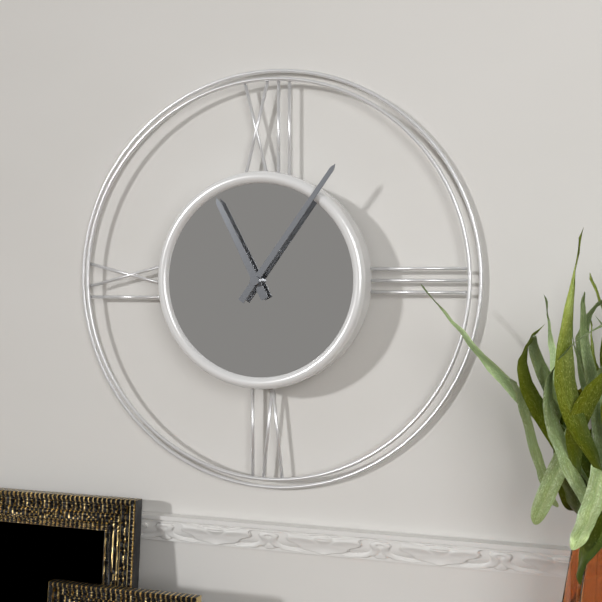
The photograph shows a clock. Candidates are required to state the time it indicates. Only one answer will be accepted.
11:06
